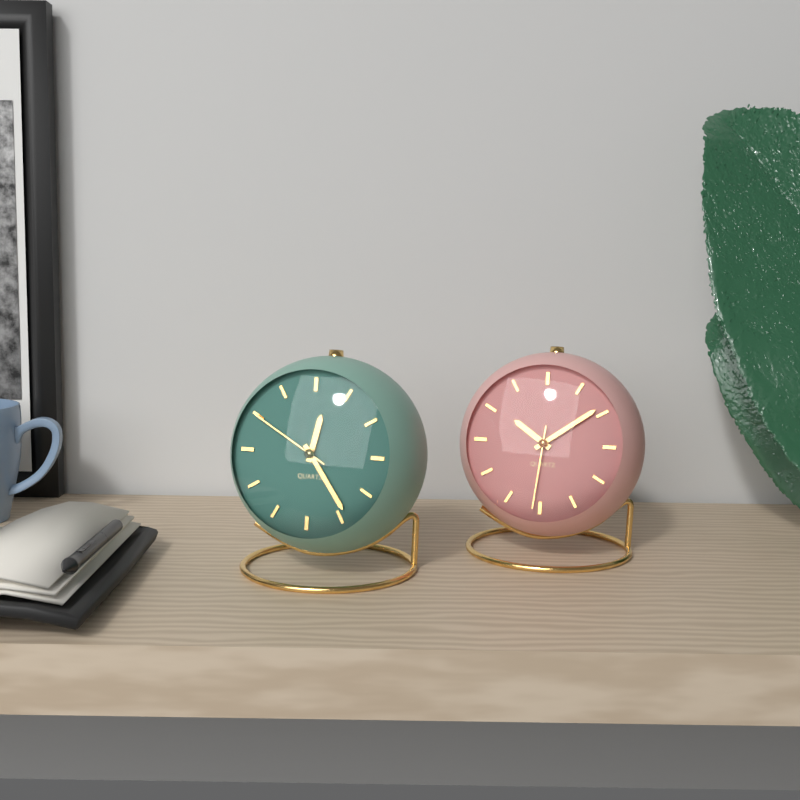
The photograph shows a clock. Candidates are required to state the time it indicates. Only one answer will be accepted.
12:24:50
